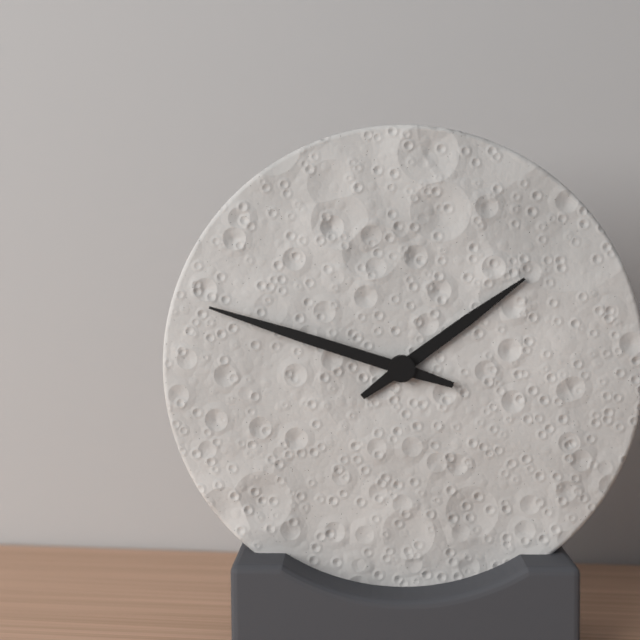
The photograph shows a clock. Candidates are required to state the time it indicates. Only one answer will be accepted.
1:48
